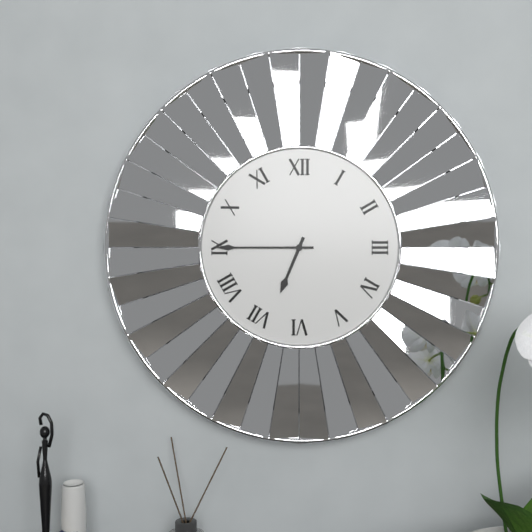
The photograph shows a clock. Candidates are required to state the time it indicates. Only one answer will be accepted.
6:45
